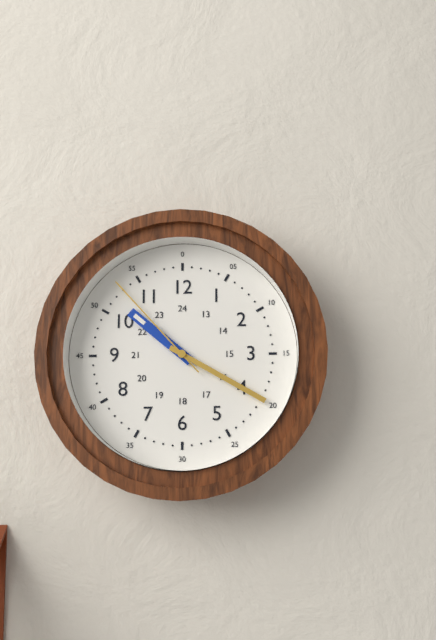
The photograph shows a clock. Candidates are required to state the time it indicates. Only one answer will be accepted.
10:20:53
